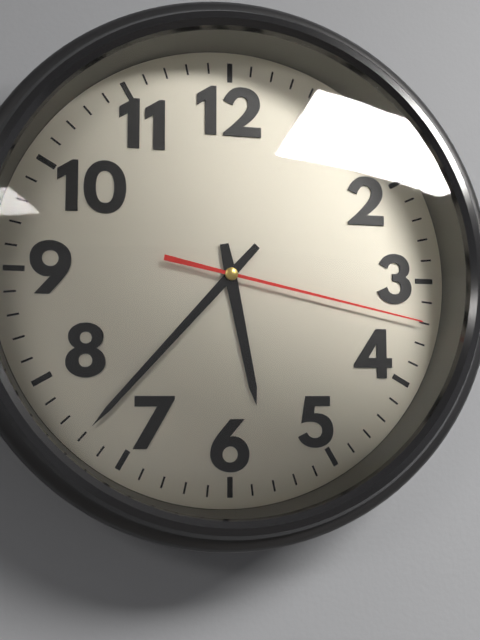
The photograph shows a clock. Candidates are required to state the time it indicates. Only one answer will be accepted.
5:37:17
